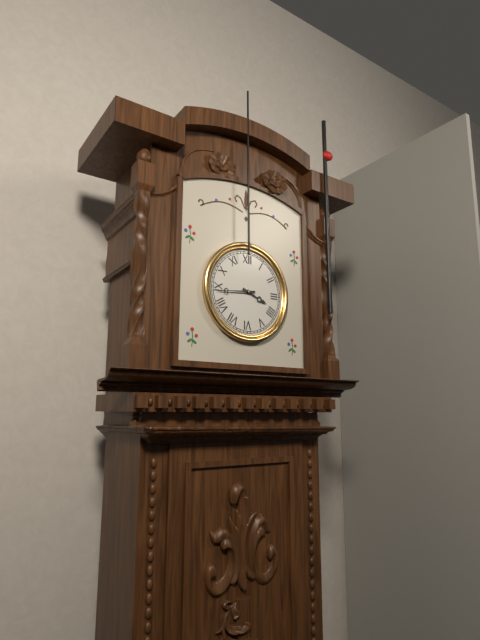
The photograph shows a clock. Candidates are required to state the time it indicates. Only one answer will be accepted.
3:44
